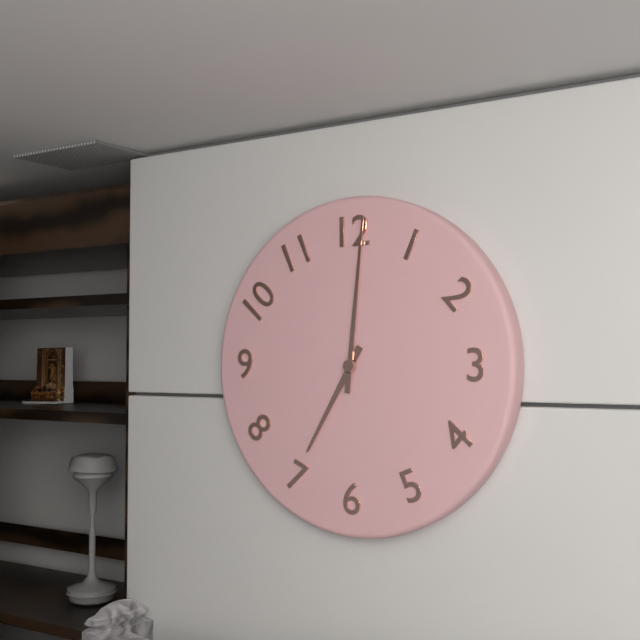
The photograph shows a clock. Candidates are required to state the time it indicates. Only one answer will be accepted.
7:01
